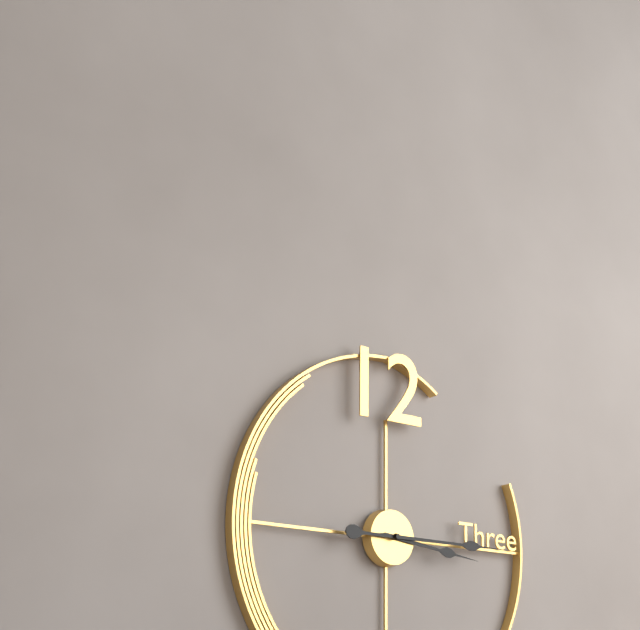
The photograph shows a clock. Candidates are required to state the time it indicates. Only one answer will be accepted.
3:15
